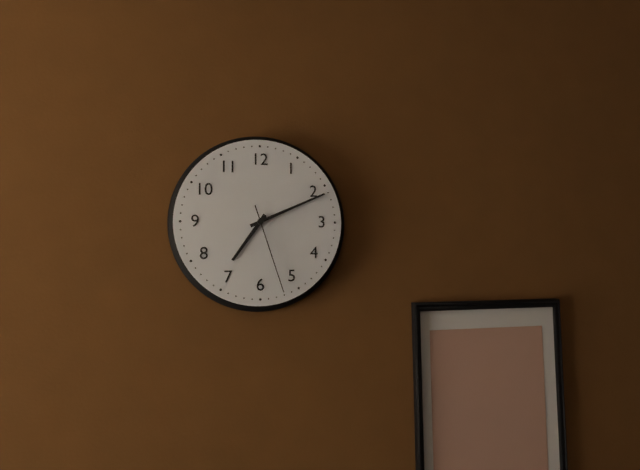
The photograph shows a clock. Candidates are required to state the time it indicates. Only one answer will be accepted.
7:11:27
